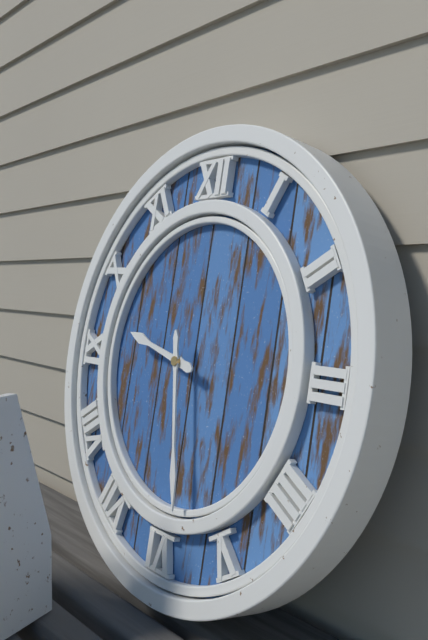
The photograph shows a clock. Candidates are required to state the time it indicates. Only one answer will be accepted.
9:28
